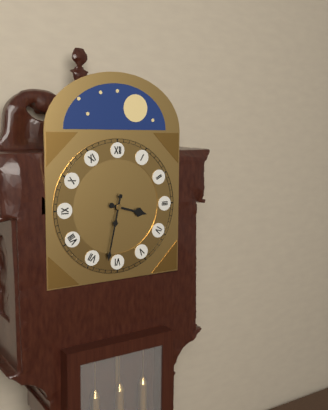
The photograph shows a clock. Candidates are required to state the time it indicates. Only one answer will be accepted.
3:32
